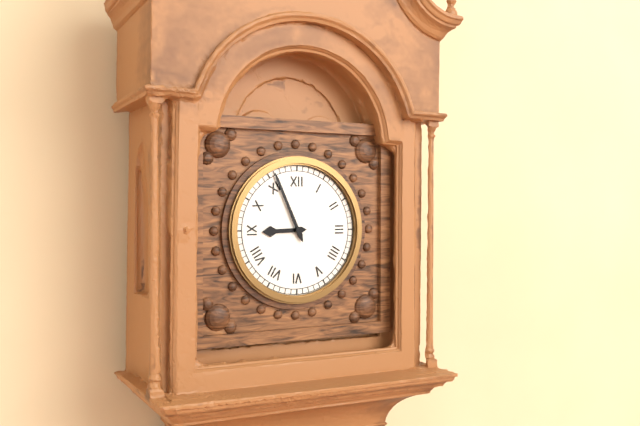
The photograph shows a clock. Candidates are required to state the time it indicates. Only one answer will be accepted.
8:56
